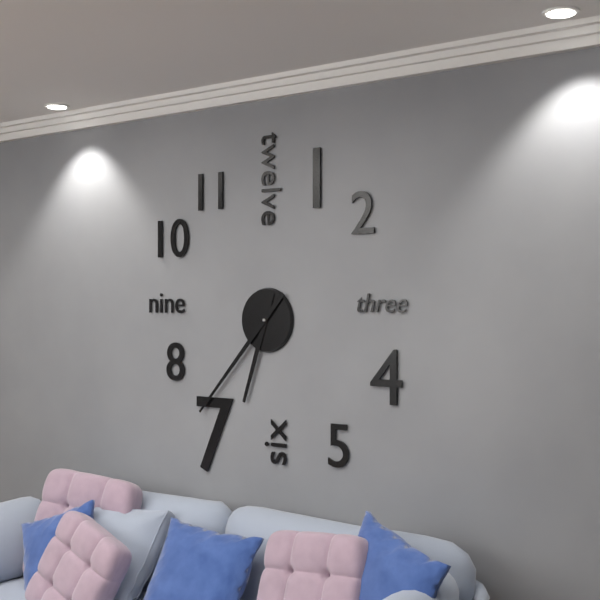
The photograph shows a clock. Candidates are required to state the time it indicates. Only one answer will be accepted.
6:37
